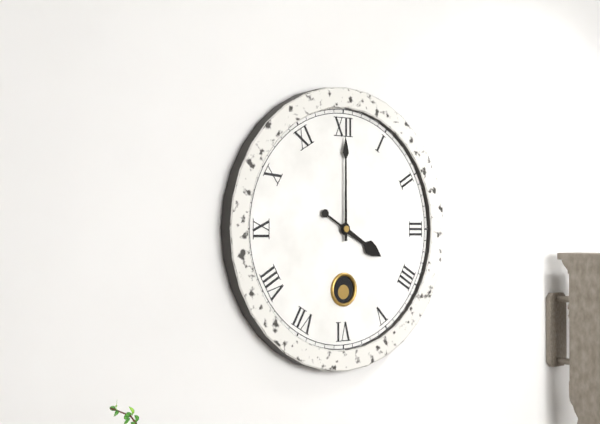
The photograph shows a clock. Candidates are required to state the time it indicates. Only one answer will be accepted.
4:00
